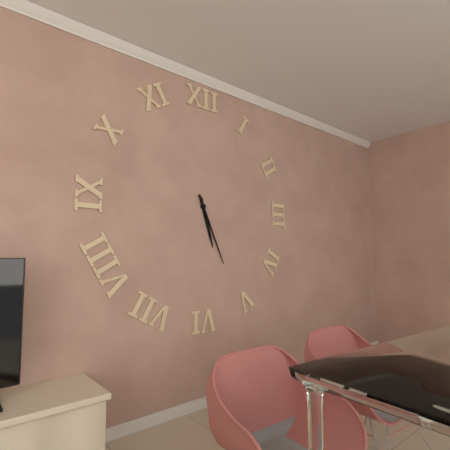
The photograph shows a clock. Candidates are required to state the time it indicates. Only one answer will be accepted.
5:26
